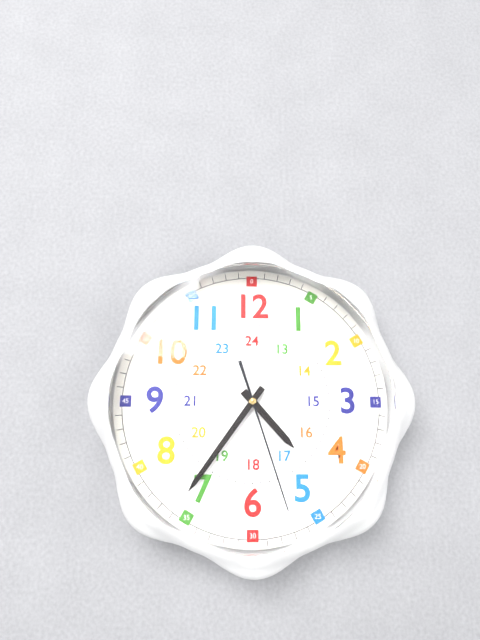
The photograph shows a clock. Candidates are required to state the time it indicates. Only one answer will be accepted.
4:36:27
